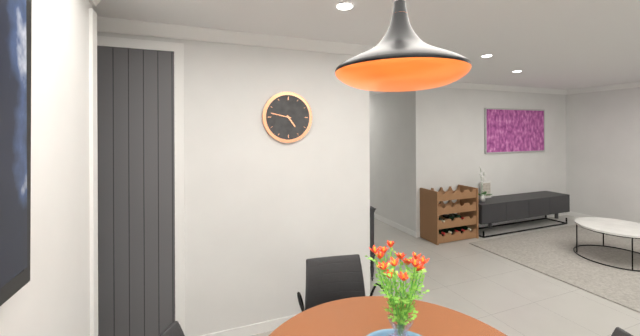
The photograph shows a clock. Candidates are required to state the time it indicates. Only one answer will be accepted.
4:47
